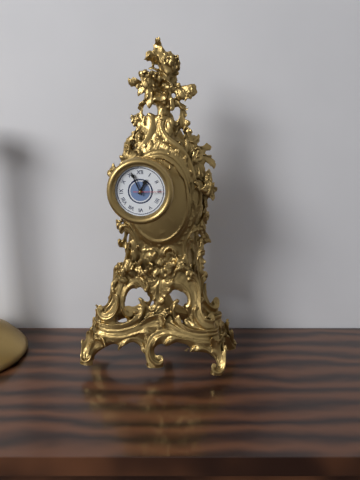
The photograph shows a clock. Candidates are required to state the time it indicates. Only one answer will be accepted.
12:56
